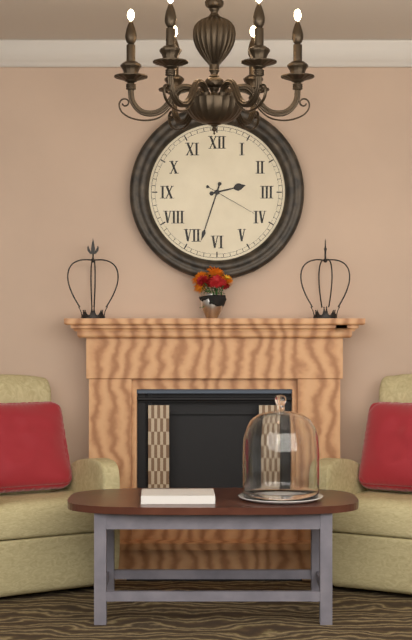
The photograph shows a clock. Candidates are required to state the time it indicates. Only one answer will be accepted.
2:33:20
